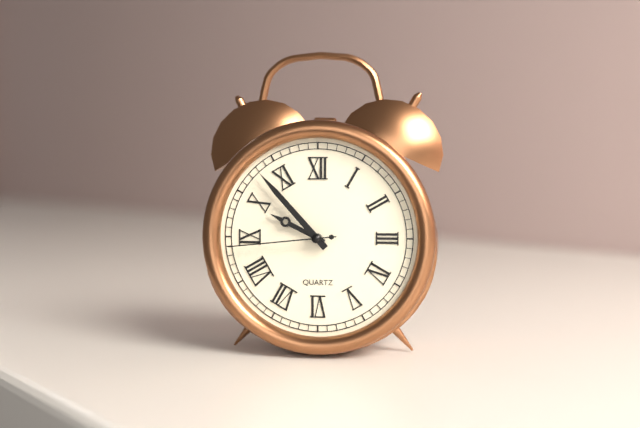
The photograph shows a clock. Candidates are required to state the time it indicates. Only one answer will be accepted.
9:53:44
